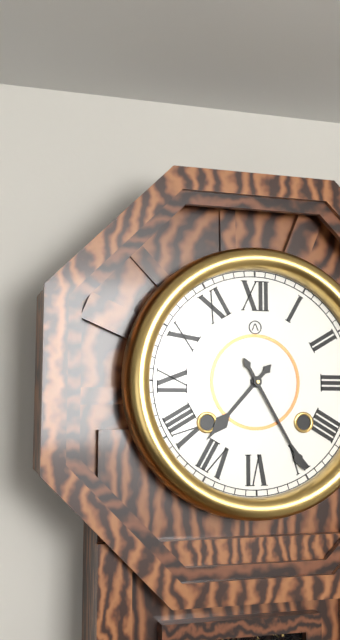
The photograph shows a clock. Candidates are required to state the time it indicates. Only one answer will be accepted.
7:25
